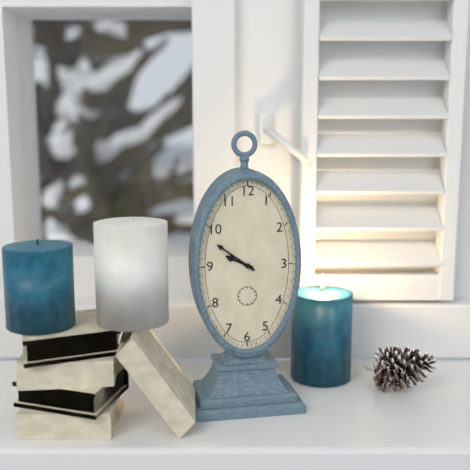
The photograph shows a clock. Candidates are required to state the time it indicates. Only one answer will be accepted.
9:51
